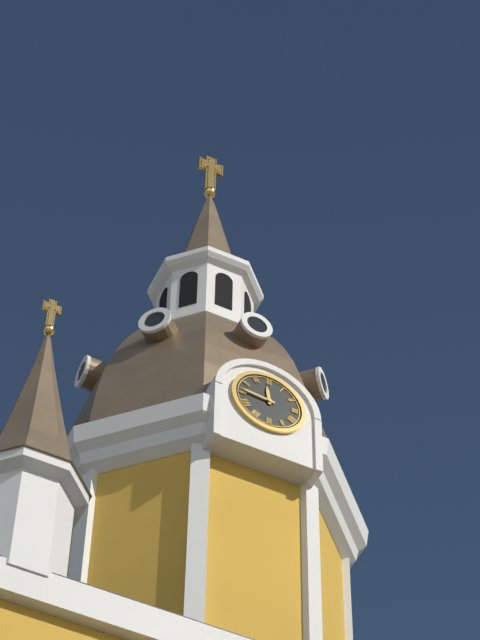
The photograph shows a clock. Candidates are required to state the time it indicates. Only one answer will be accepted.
11:46
